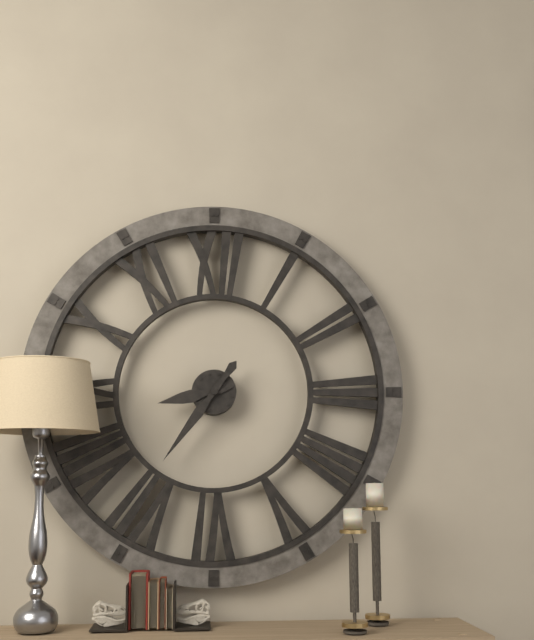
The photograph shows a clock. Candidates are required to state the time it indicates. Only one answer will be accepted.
8:36
